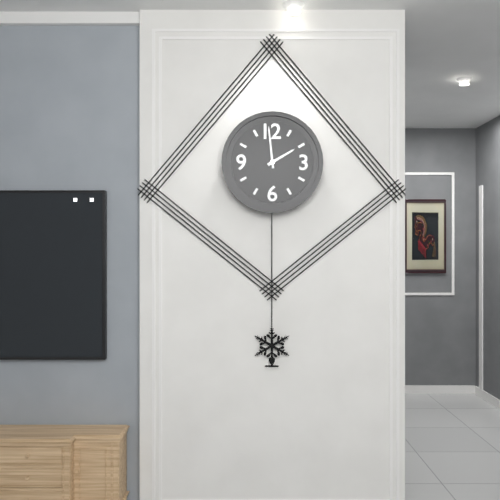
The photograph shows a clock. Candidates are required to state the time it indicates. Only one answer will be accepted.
1:59
